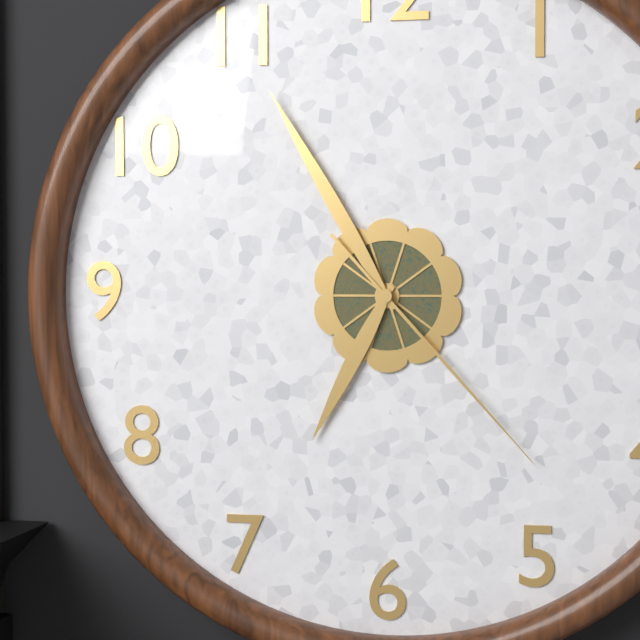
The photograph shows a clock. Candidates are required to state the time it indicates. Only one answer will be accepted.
6:55:23
